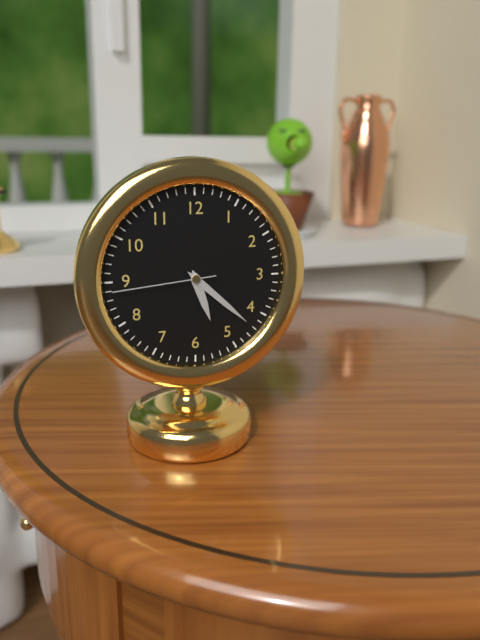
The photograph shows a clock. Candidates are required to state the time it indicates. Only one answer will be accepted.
5:22:44
